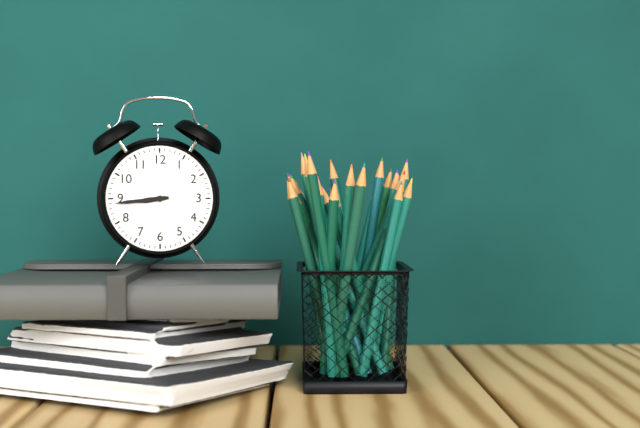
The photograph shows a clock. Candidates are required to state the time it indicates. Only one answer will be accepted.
8:44
